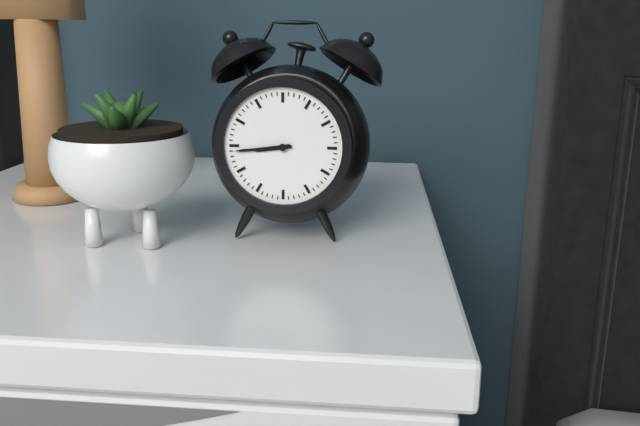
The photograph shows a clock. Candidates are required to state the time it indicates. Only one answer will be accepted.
8:44
